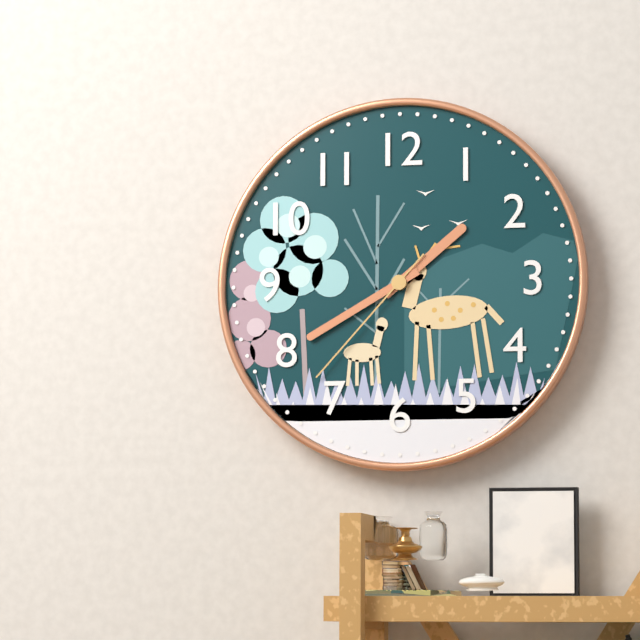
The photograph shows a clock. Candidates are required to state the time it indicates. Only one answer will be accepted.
1:40:37
